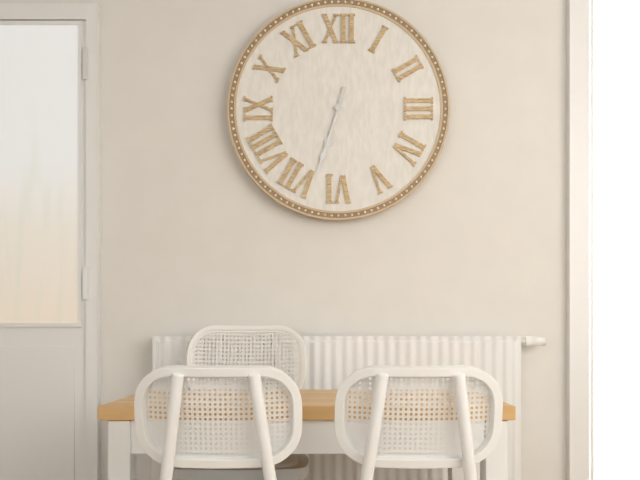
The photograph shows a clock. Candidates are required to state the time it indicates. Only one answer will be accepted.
6:33
